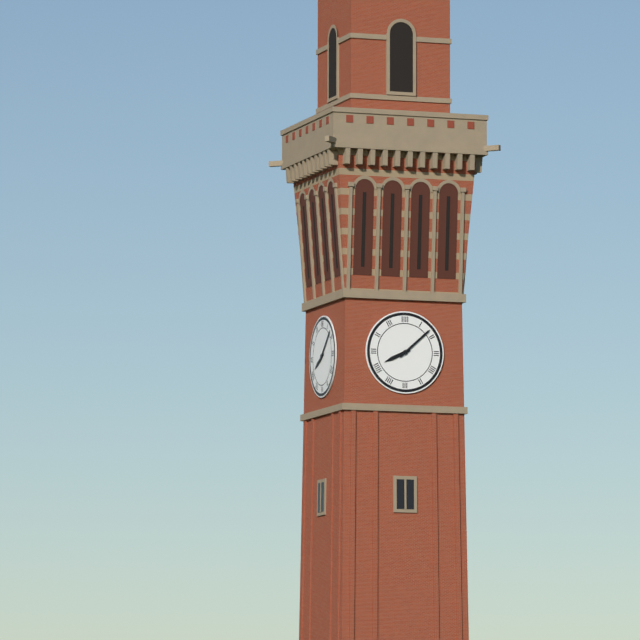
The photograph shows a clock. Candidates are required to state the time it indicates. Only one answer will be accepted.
8:08
